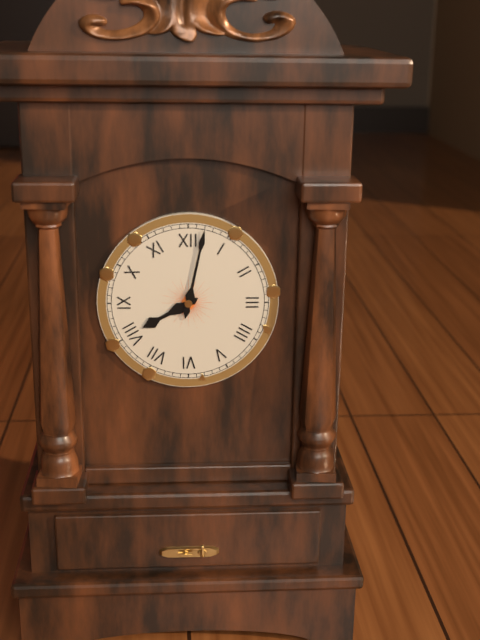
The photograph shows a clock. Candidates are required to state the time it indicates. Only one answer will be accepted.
8:02
